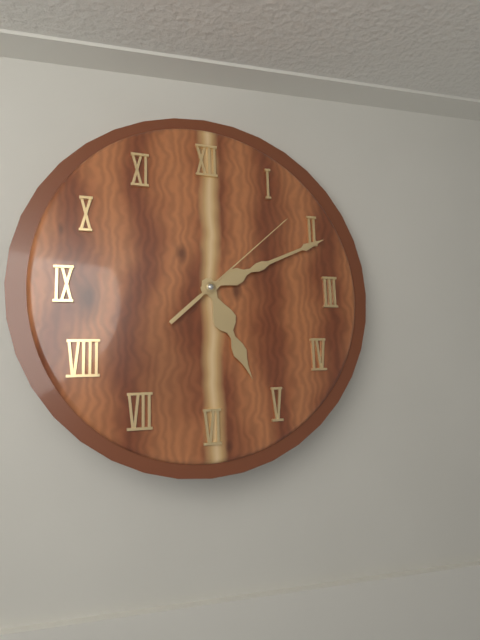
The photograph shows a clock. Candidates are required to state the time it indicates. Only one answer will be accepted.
5:11:08
